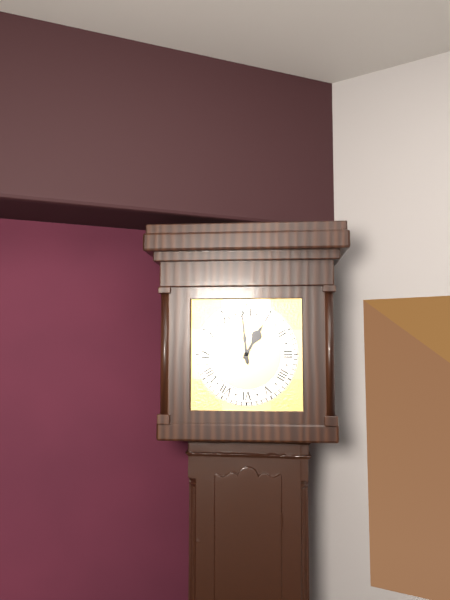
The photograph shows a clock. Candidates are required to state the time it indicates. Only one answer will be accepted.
12:59
